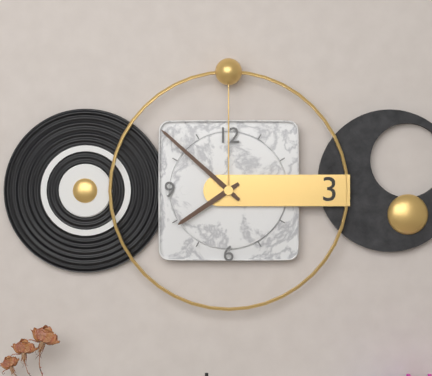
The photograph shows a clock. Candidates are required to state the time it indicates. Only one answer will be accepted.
7:52
